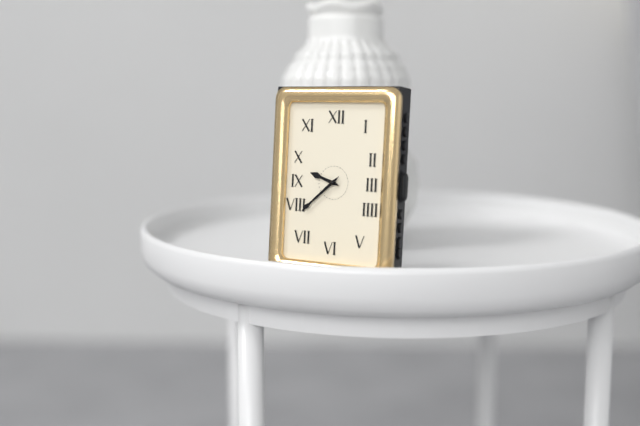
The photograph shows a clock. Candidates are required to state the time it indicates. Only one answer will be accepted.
9:38
